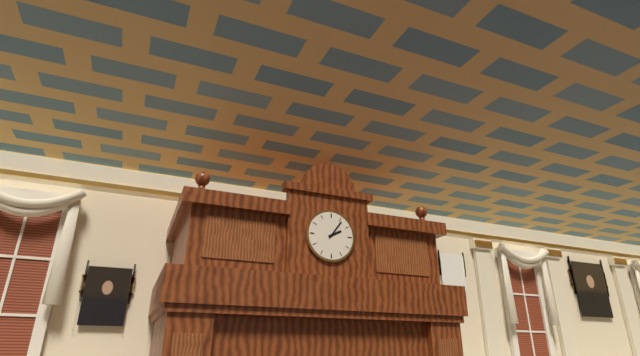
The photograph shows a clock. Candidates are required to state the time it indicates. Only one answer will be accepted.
2:06
